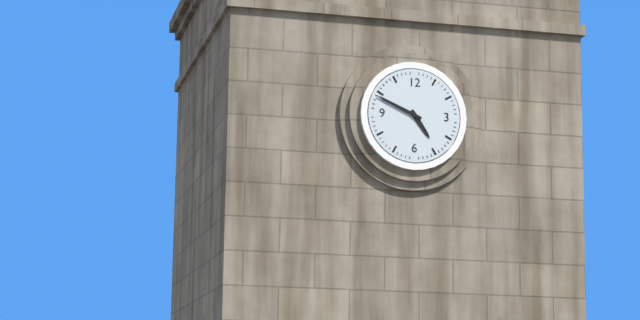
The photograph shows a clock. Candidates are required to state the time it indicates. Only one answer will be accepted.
4:49
